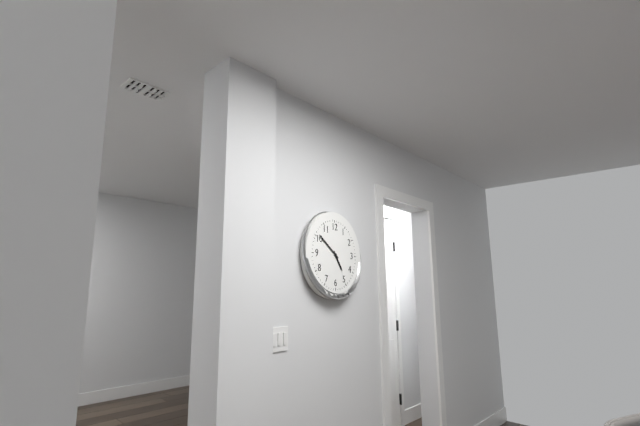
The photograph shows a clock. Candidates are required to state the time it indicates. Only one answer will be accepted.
4:51
